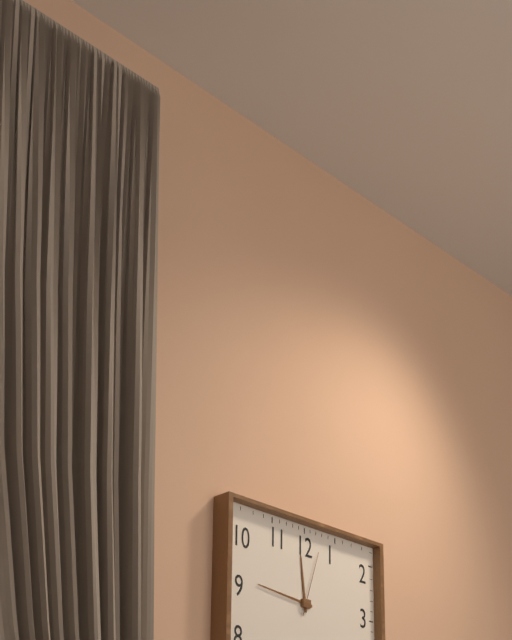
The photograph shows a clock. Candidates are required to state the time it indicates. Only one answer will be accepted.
11:46:03
